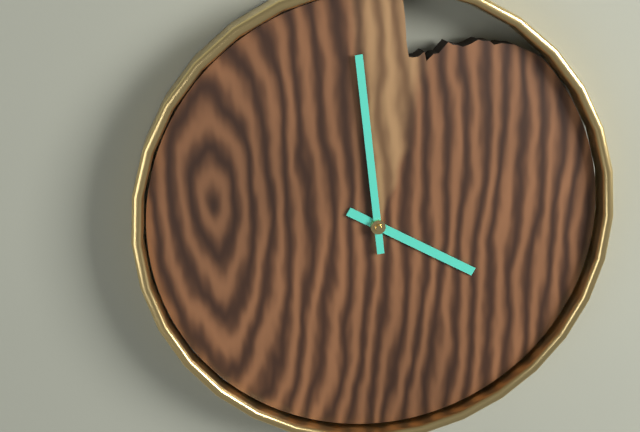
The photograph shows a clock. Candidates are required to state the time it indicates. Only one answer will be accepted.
3:59
